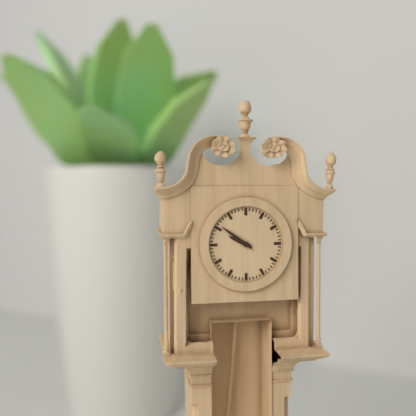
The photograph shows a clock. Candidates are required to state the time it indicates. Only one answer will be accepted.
9:51
